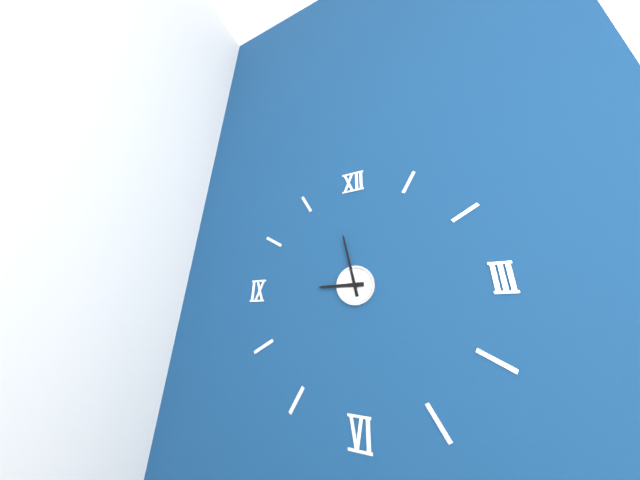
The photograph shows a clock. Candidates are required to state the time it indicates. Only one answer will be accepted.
8:58
